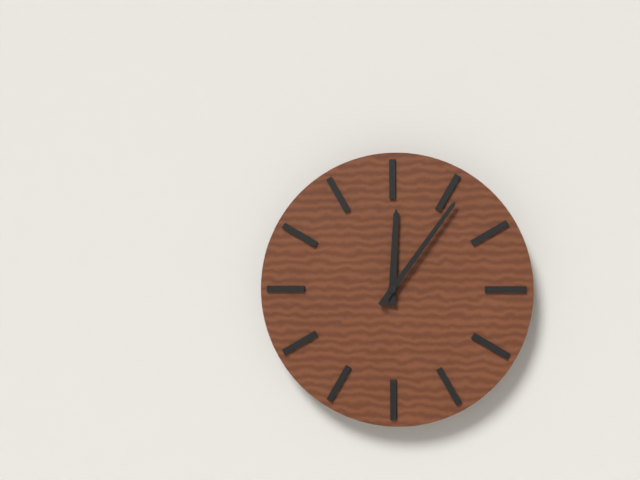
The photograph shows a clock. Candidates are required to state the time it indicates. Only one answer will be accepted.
12:06
